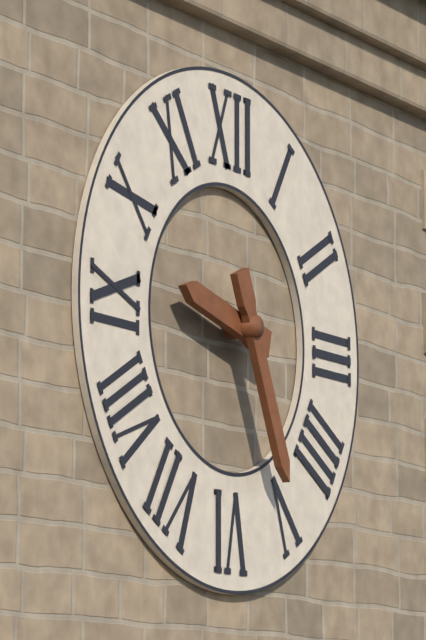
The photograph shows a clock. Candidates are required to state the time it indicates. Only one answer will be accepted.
9:26
